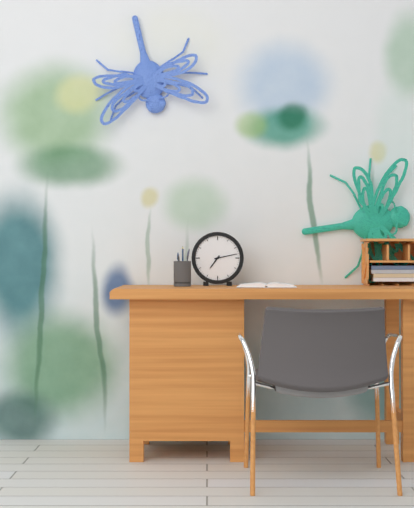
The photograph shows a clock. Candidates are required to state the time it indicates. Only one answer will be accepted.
7:13
